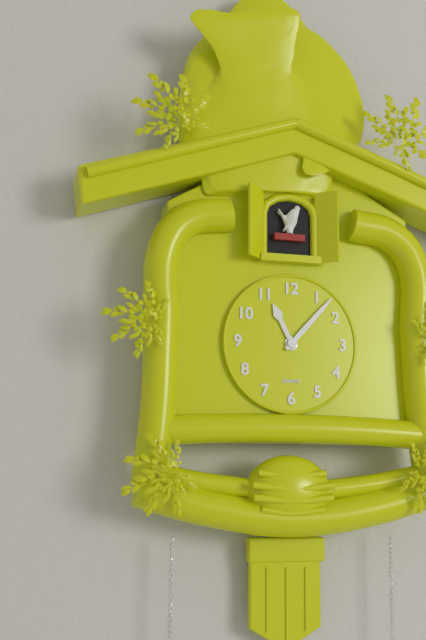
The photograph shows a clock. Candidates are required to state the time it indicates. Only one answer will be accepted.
11:07
